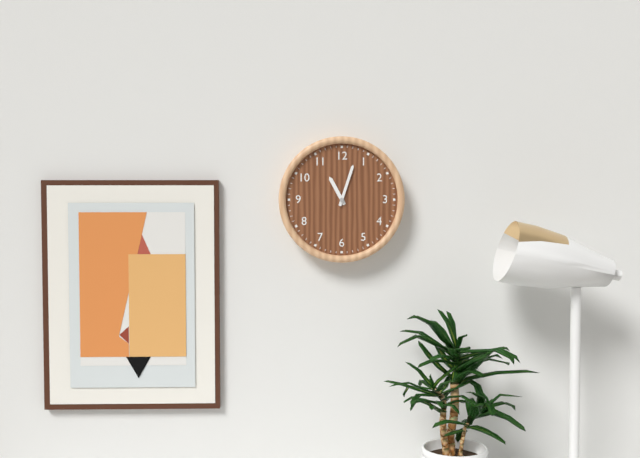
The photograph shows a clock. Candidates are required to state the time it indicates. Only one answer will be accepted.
11:03
